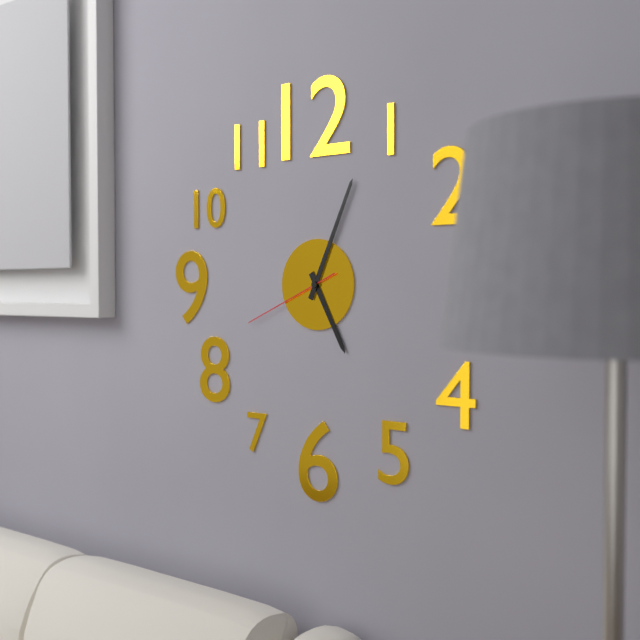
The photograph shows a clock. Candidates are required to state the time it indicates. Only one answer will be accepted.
5:04:41
